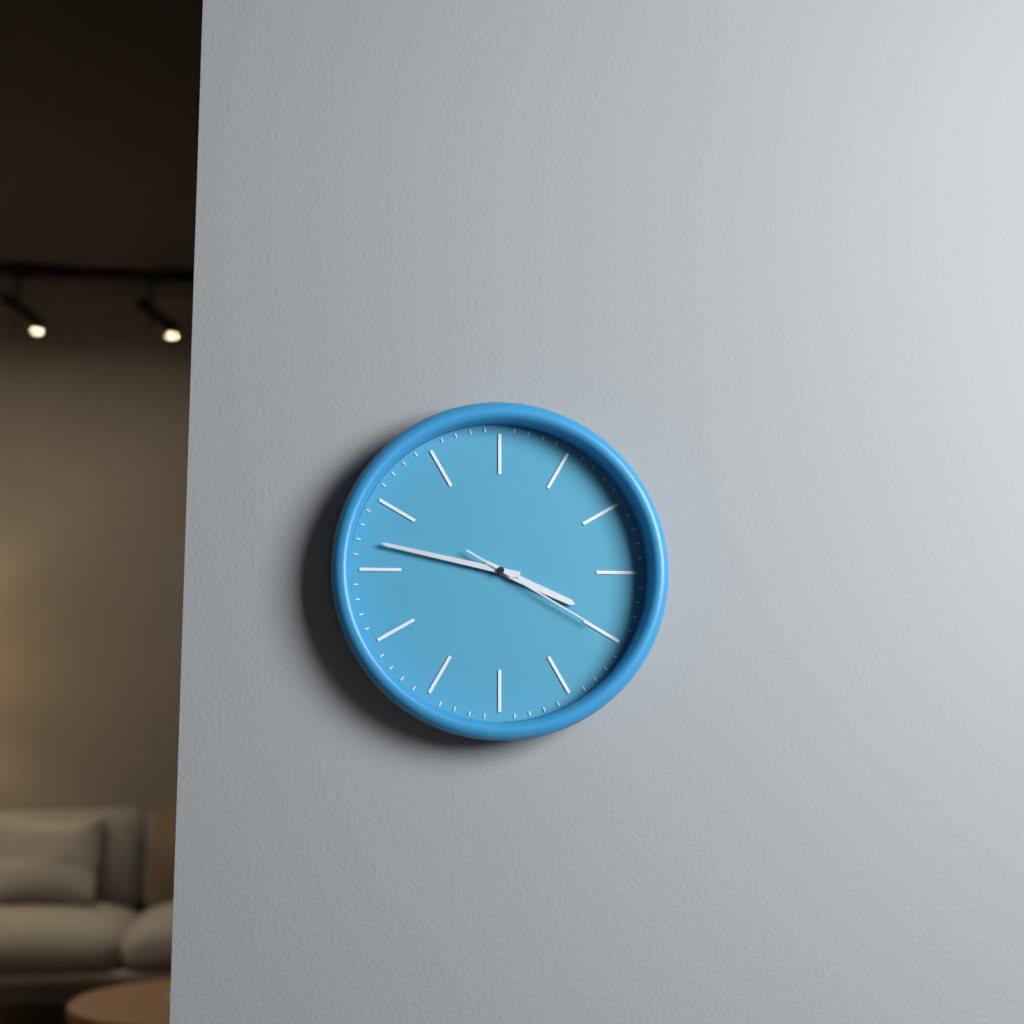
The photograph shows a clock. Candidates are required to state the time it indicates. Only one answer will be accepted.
3:47:20
